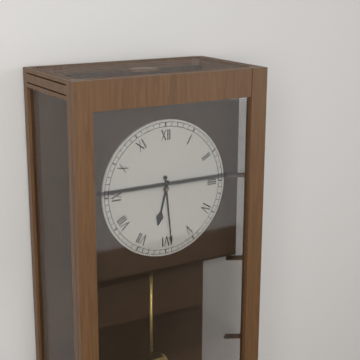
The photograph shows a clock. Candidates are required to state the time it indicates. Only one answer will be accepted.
6:29
